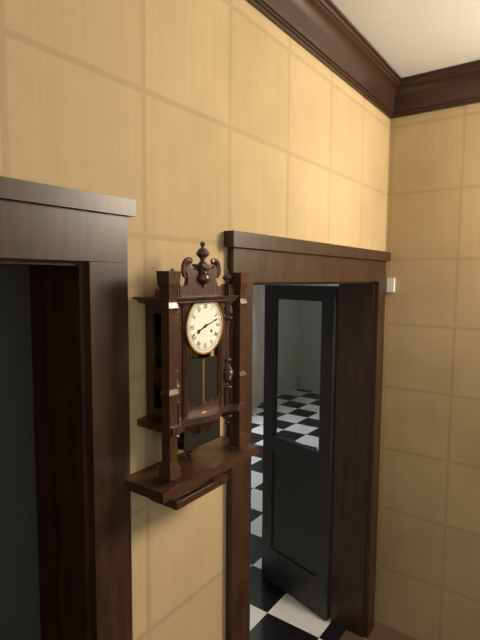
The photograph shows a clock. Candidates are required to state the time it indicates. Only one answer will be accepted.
8:12
